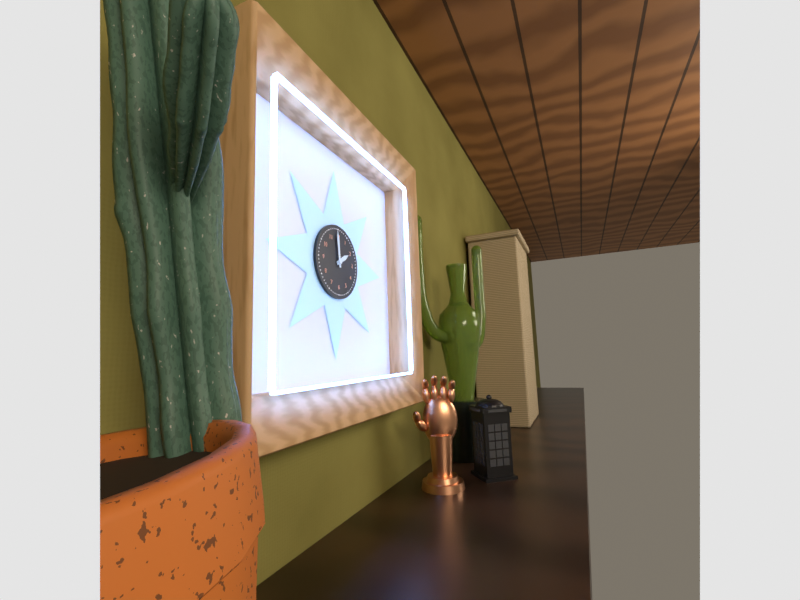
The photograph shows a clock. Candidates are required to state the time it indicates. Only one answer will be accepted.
1:59
